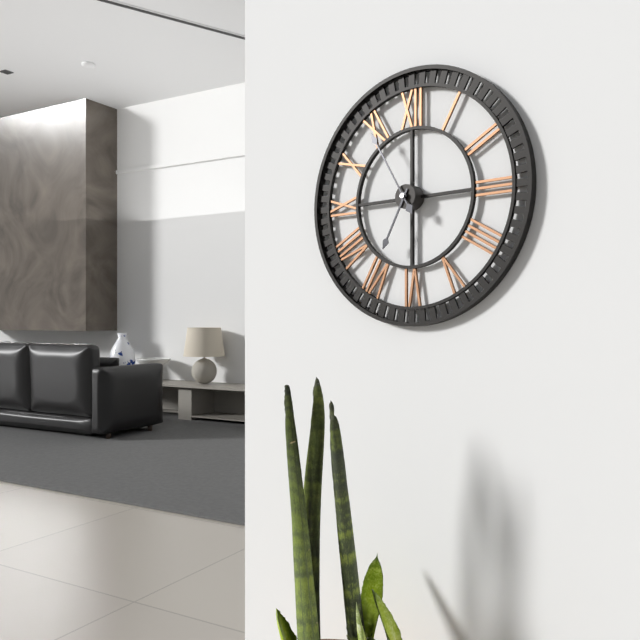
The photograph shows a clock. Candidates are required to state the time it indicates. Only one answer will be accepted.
6:55
